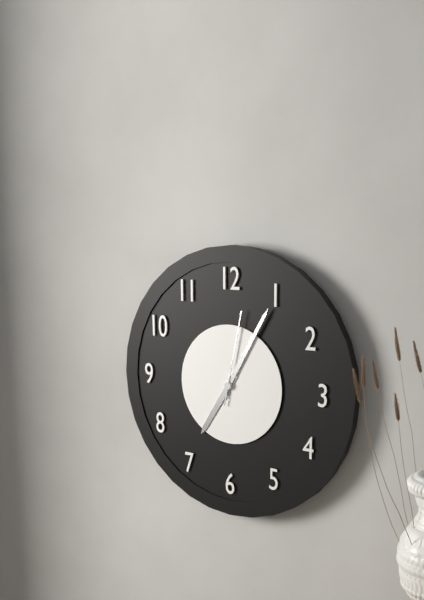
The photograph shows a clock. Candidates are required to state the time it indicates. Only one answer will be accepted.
7:05:02
